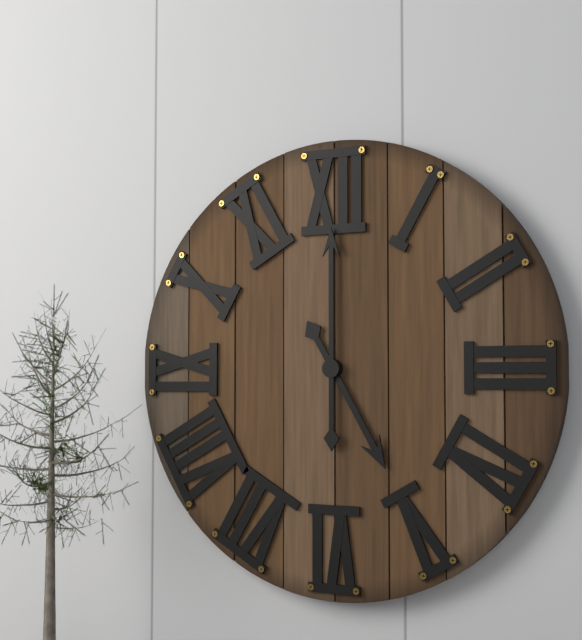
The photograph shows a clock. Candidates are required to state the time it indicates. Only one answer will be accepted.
5:00
